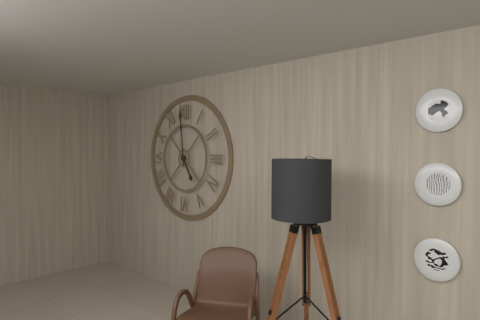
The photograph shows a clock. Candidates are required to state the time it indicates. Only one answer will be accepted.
4:59
